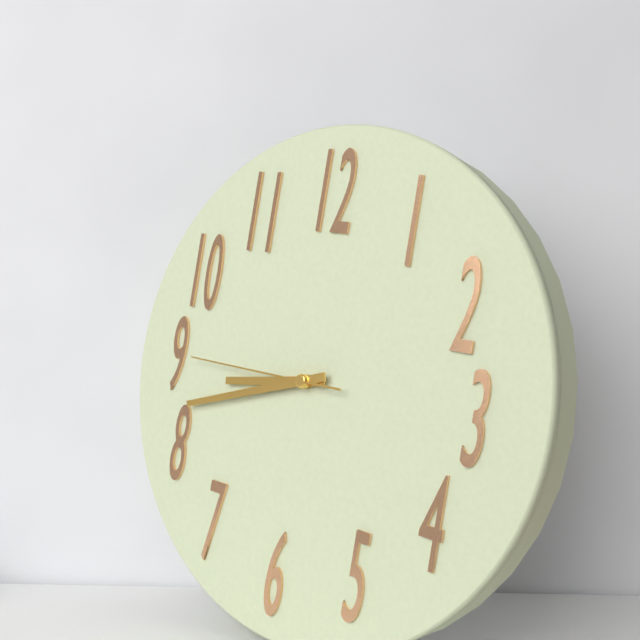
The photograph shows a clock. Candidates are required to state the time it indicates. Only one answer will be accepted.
8:42:45
